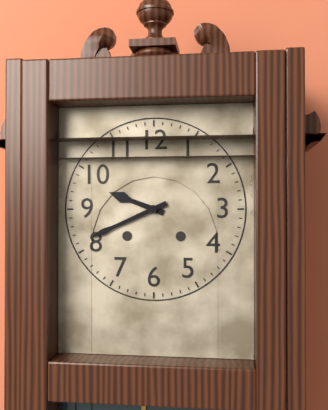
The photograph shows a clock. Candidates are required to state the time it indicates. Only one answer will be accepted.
9:41
